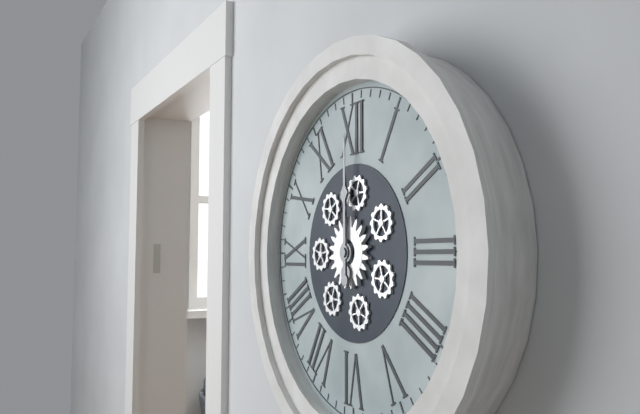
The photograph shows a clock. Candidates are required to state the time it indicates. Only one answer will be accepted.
12:00
